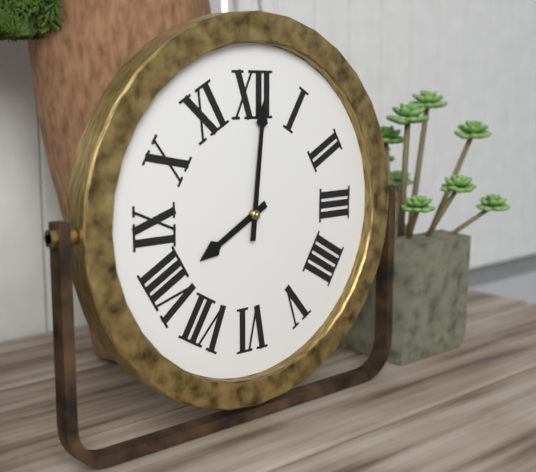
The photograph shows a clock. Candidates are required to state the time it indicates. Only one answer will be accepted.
8:01
